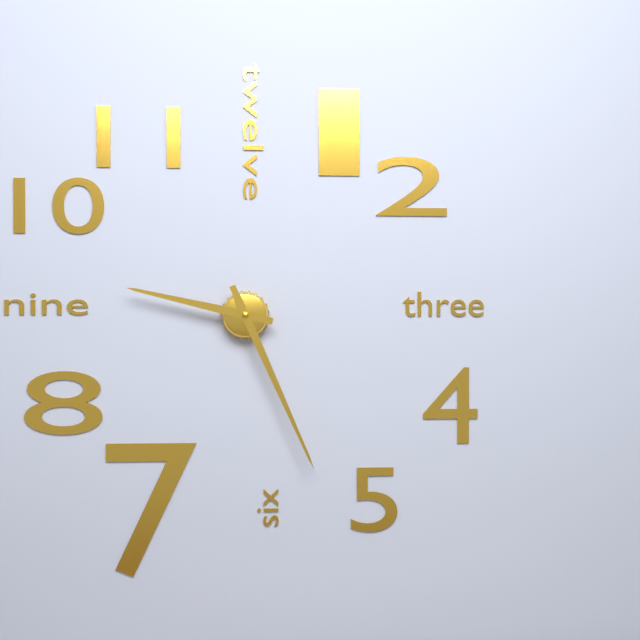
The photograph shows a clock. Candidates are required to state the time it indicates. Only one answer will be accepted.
9:26
